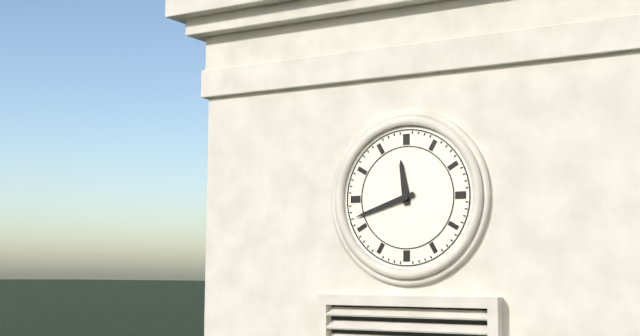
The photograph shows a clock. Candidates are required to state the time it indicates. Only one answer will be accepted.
11:42
